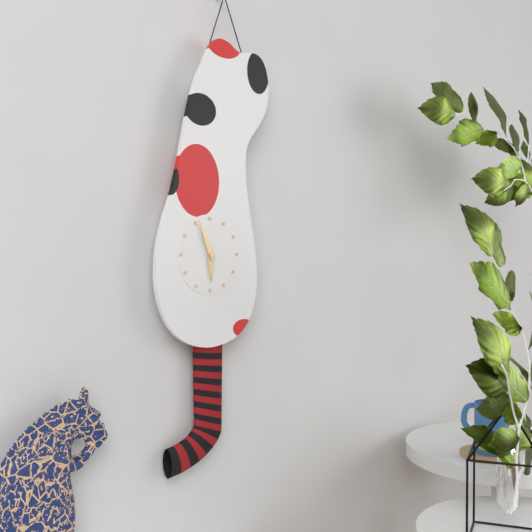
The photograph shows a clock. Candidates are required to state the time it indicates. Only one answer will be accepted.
5:56
